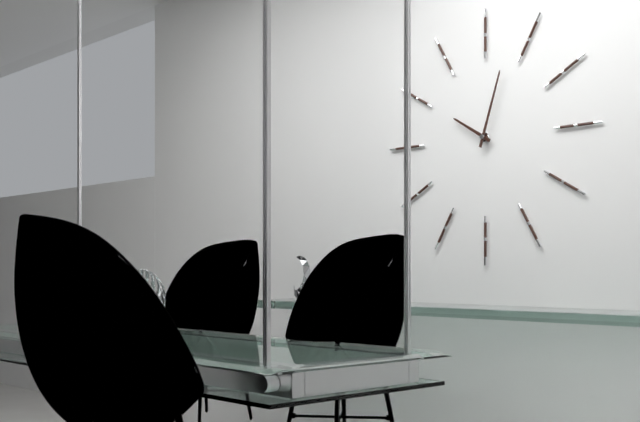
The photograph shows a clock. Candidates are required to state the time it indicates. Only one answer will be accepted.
10:03
